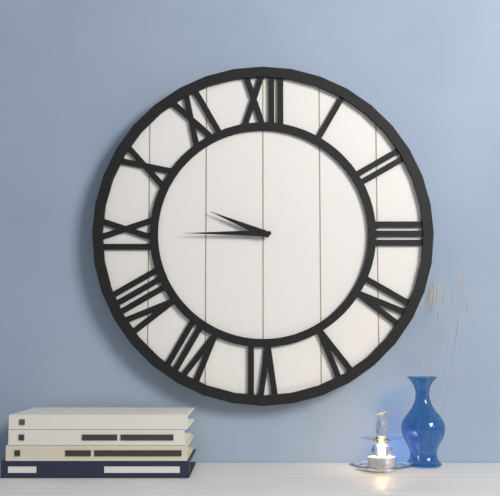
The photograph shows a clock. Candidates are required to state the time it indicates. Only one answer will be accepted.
9:45
